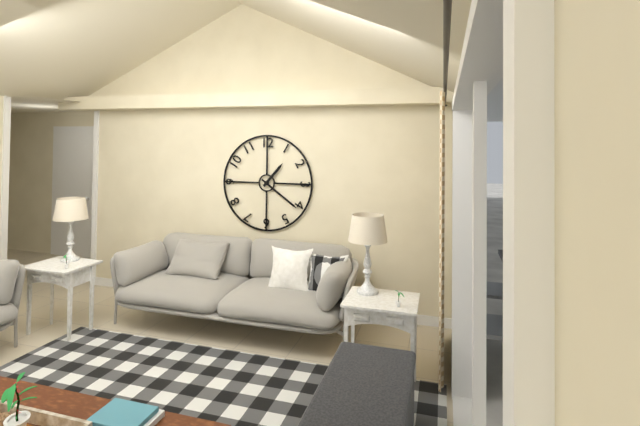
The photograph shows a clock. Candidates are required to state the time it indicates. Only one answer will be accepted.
1:21
